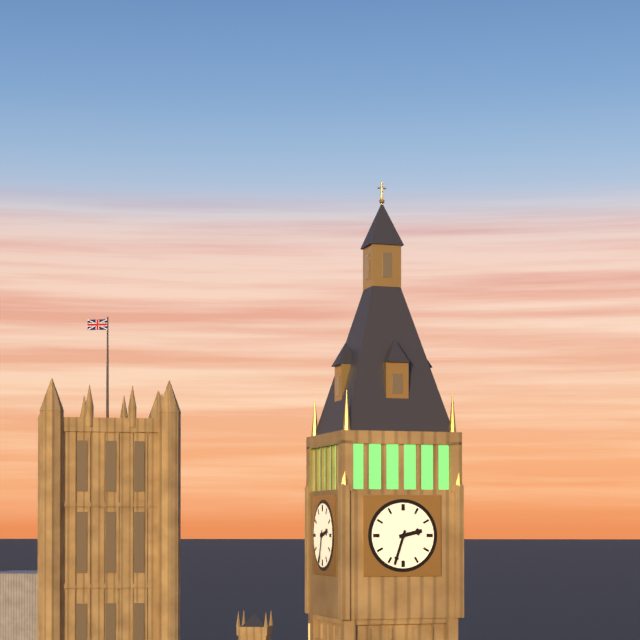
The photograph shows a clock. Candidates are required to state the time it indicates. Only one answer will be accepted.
2:33
